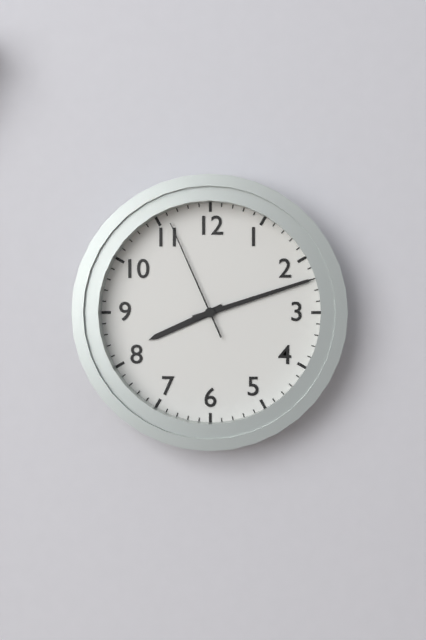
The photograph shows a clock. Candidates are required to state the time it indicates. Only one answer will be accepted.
8:12:56
